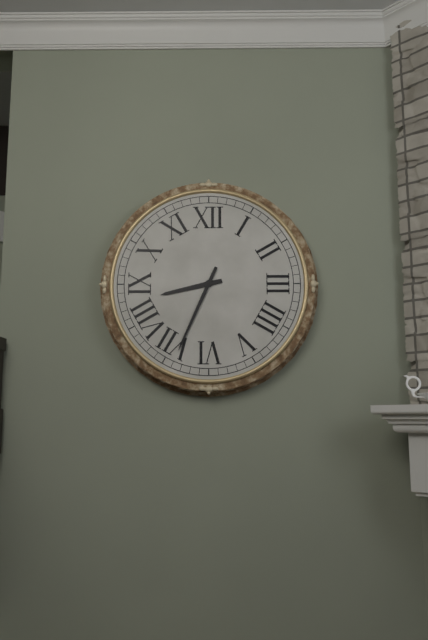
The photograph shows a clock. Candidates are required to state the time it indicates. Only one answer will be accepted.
8:34
